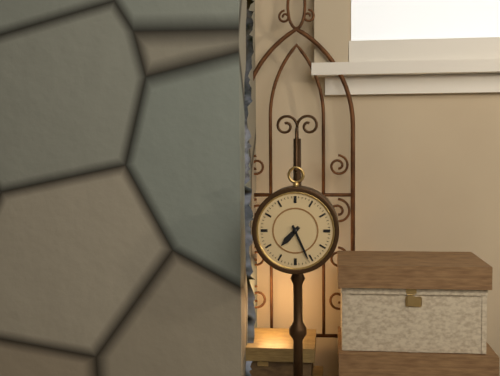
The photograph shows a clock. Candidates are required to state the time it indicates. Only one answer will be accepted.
7:26
